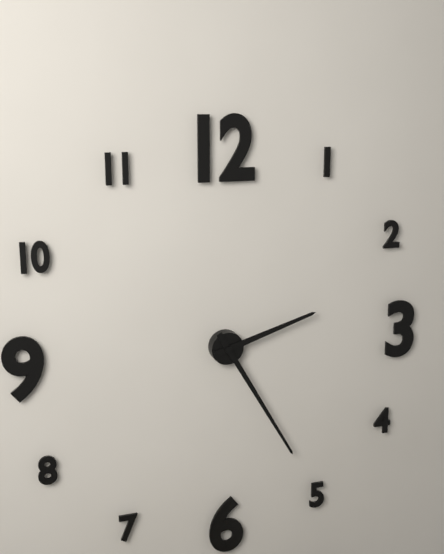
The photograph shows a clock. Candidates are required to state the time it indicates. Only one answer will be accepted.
2:25
